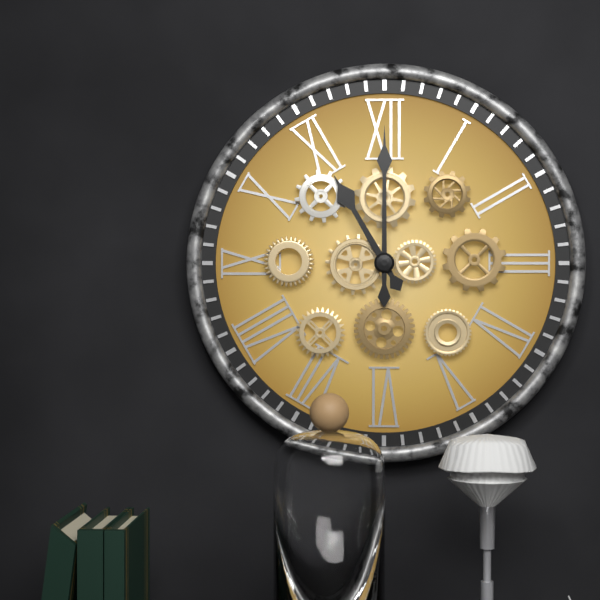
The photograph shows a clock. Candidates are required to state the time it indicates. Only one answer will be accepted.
11:00
